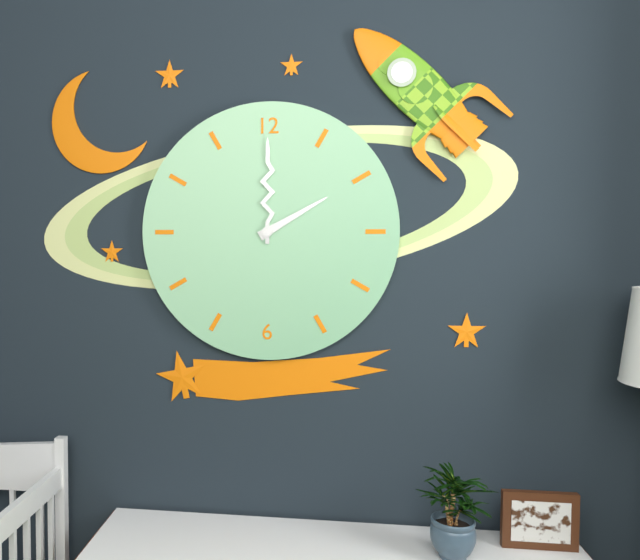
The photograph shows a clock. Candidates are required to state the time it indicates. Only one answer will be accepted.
2:00
